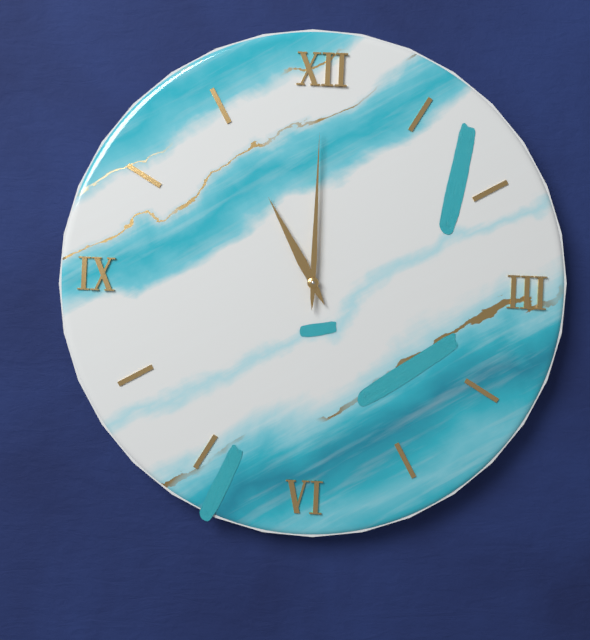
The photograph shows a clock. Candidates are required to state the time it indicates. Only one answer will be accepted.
11:00
